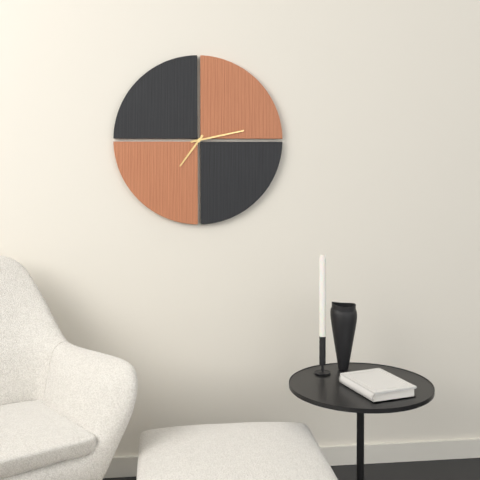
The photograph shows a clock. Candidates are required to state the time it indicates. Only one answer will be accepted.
7:13
